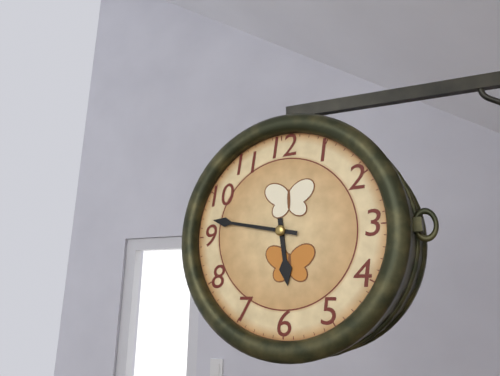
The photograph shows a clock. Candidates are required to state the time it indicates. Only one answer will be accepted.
5:47
